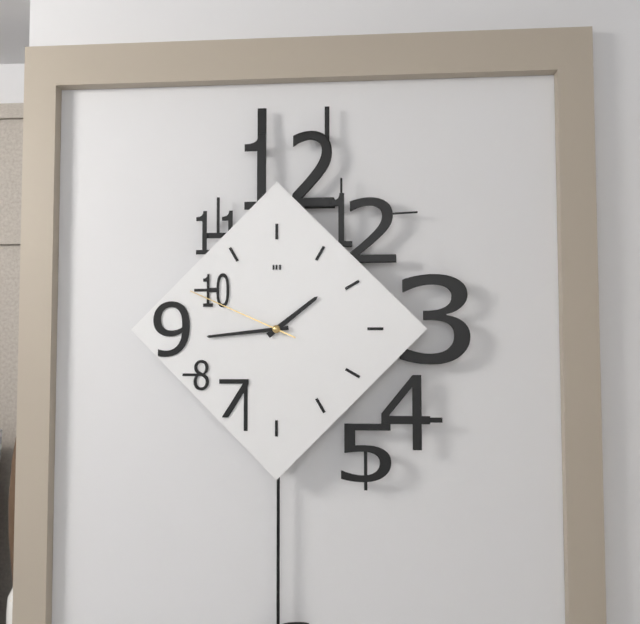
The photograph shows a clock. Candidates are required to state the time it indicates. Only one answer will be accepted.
1:44:49
